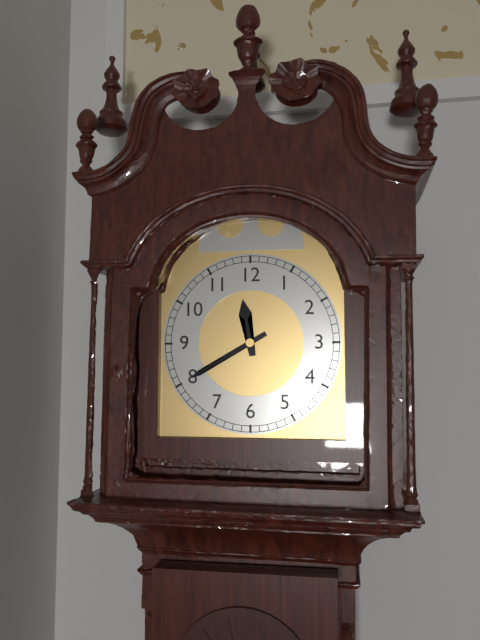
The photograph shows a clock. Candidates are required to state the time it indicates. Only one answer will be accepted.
11:40
